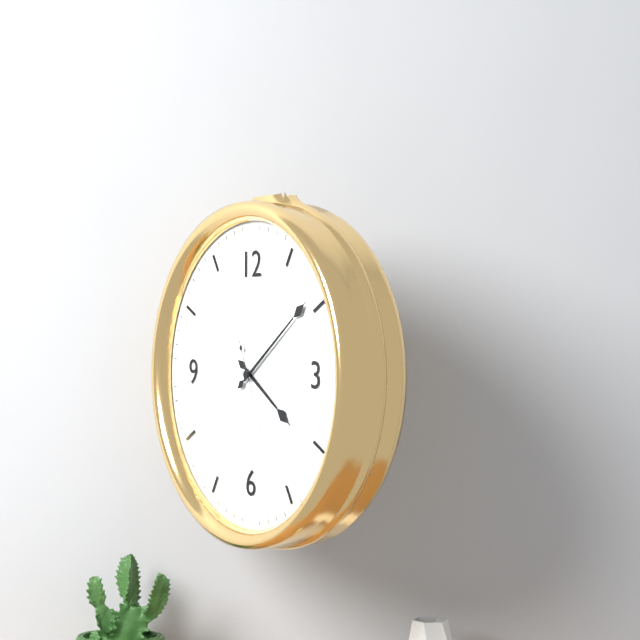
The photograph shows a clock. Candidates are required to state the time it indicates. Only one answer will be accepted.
4:09:26
